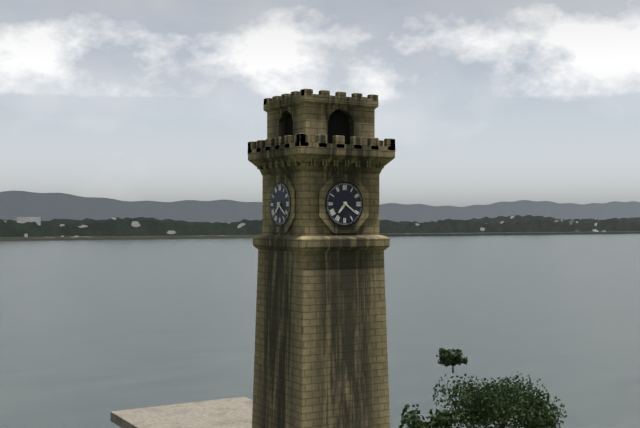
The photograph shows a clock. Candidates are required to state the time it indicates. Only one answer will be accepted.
7:21
